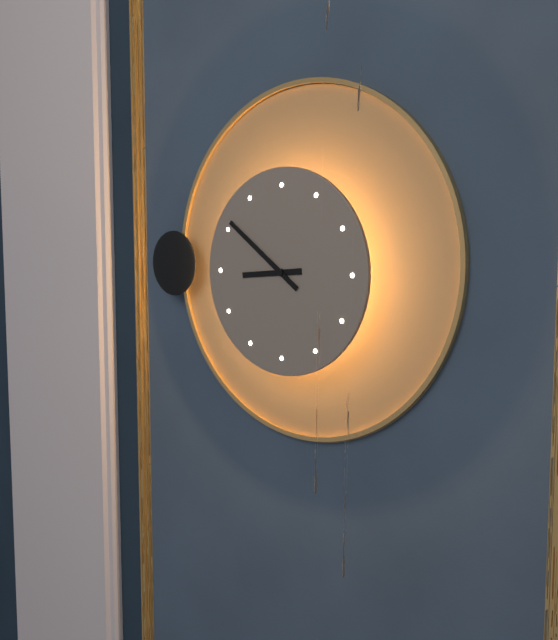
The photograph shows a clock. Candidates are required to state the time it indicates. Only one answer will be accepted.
8:51
